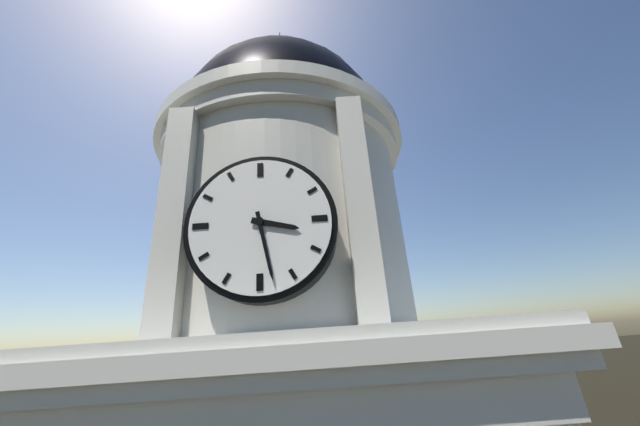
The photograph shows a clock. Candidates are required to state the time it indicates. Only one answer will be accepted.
3:28
